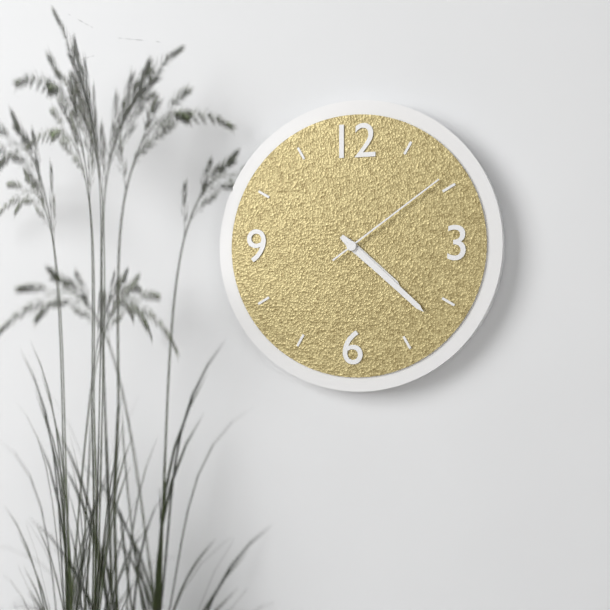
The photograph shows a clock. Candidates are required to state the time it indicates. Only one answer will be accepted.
4:22:09
